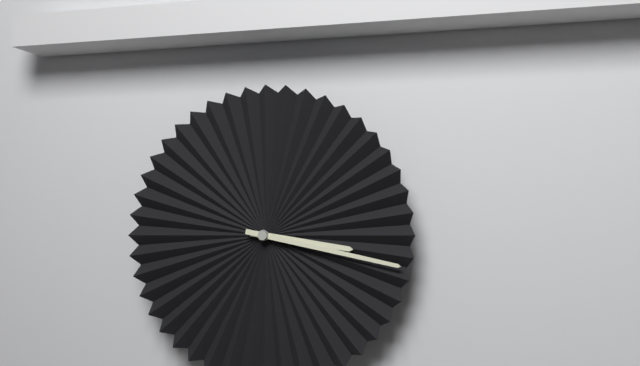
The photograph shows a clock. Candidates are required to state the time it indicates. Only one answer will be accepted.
3:17
